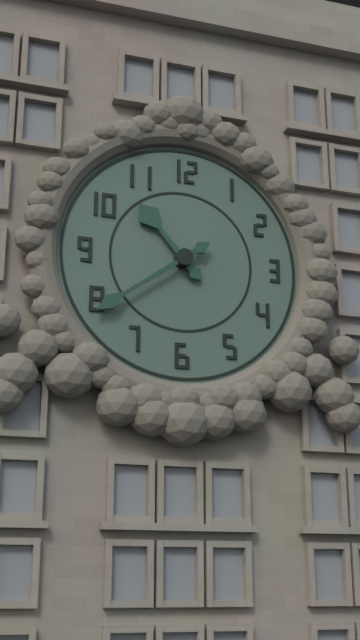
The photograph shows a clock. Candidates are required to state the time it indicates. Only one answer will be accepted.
10:39
